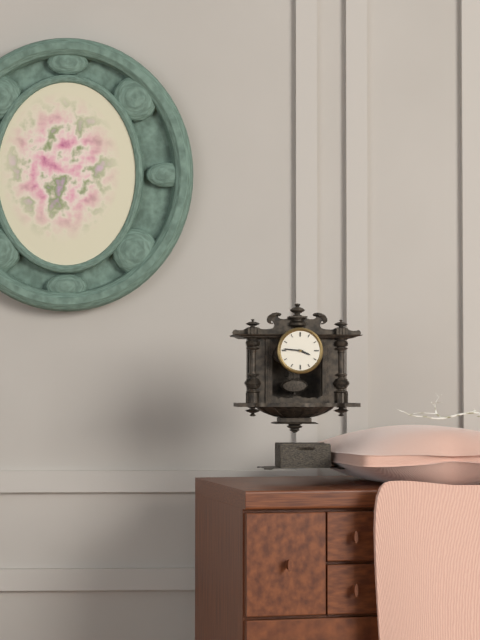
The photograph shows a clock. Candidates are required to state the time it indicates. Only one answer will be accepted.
3:46
